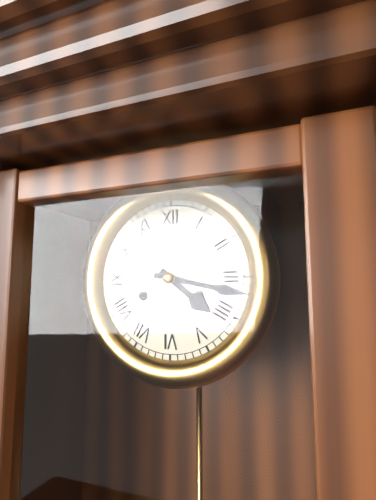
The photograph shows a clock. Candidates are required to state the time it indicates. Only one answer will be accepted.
4:17
